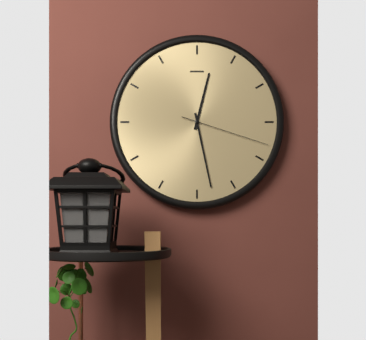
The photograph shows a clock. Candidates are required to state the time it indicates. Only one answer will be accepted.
12:28:18
